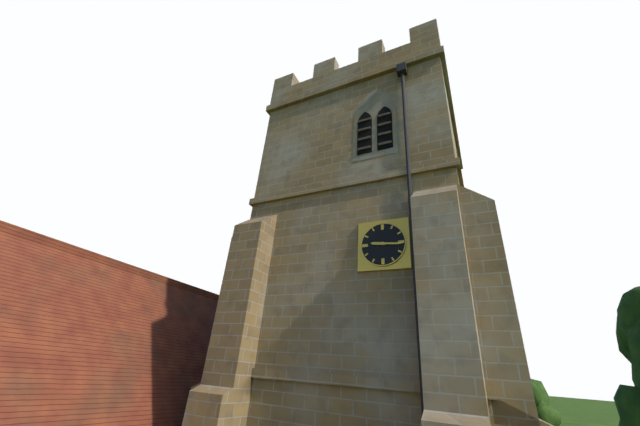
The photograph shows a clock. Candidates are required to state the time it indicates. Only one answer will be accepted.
9:16
